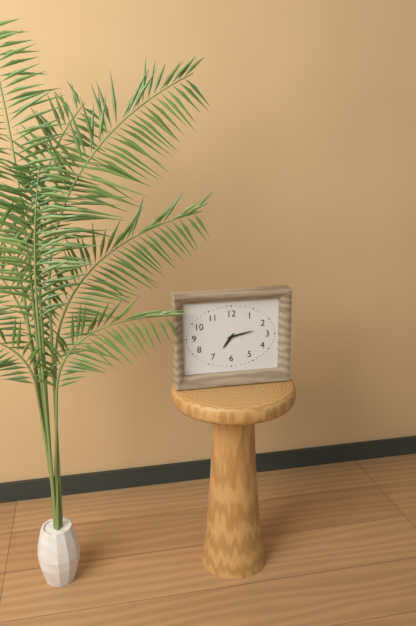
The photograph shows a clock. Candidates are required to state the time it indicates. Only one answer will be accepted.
7:13
